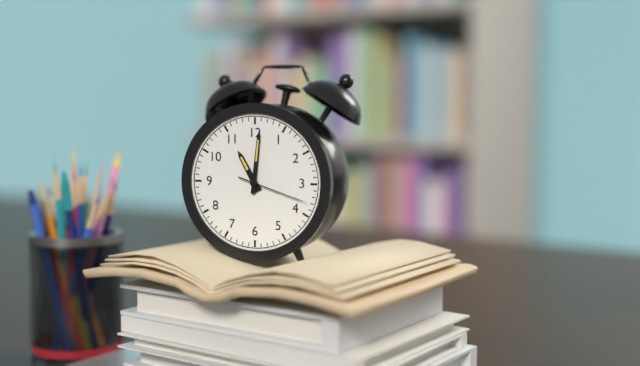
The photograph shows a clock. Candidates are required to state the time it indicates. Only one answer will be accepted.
11:01:18
